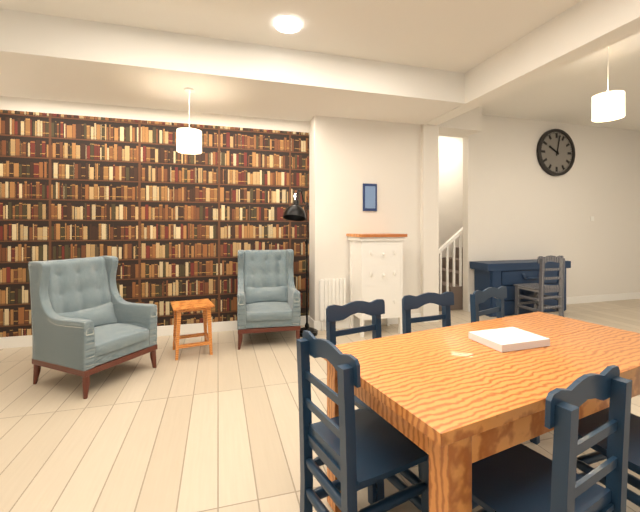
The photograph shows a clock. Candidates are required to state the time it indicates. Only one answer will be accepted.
10:02
